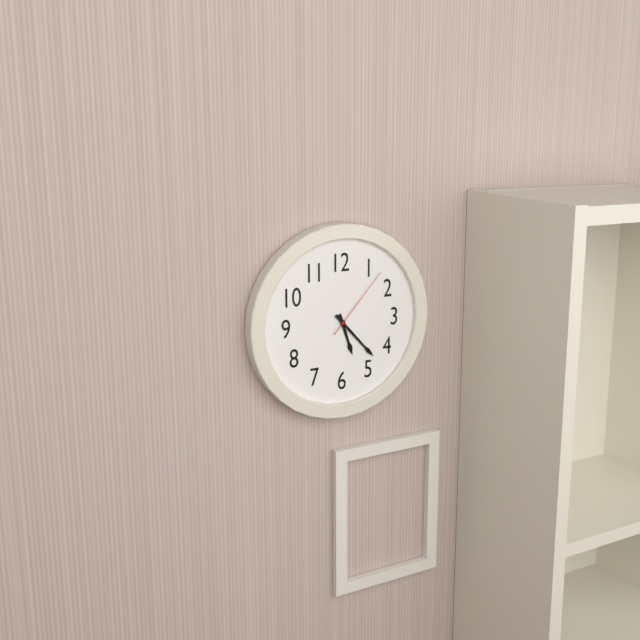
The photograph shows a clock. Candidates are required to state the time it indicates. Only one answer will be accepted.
5:23:07
